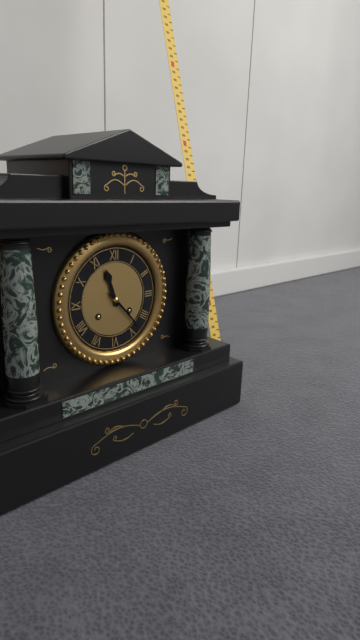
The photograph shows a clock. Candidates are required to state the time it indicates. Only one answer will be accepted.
11:23
